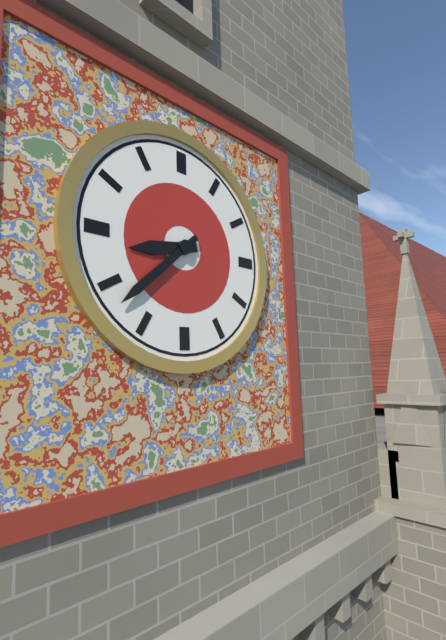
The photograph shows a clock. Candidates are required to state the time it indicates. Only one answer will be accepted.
8:38
